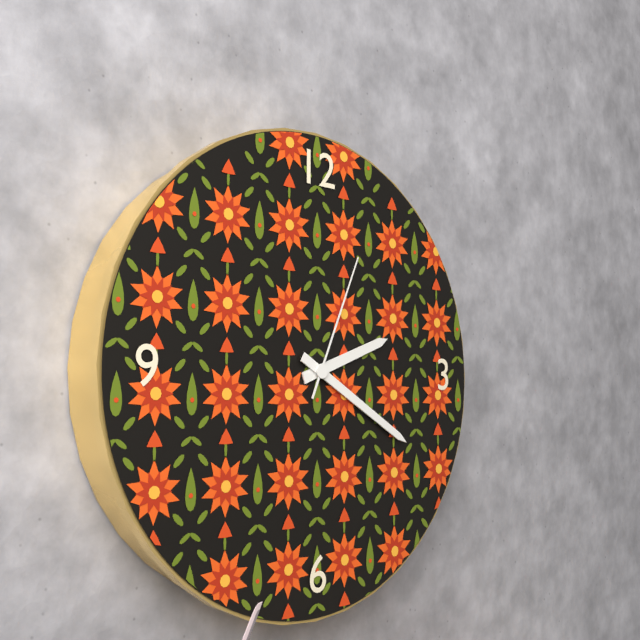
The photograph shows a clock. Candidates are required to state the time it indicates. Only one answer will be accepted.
2:20:04
